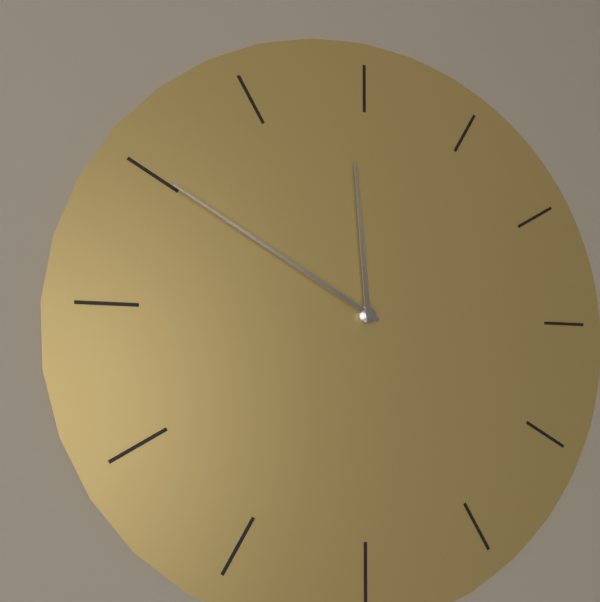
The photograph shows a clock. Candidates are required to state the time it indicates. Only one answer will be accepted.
11:50
